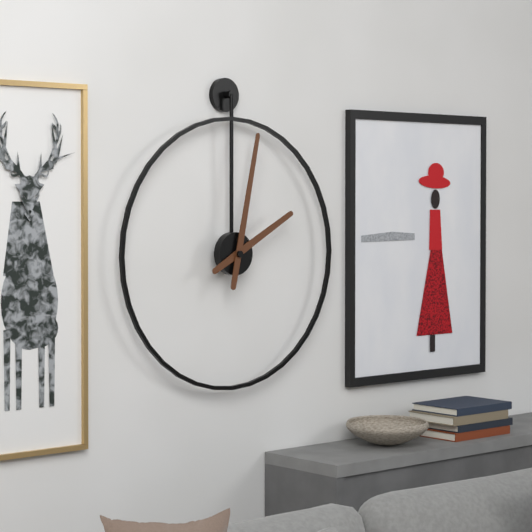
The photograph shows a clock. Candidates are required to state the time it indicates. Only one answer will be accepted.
2:02
